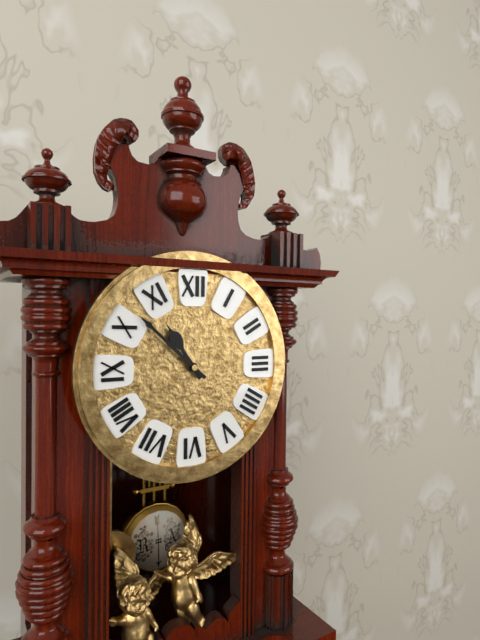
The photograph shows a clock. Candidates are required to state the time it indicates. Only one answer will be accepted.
10:52
